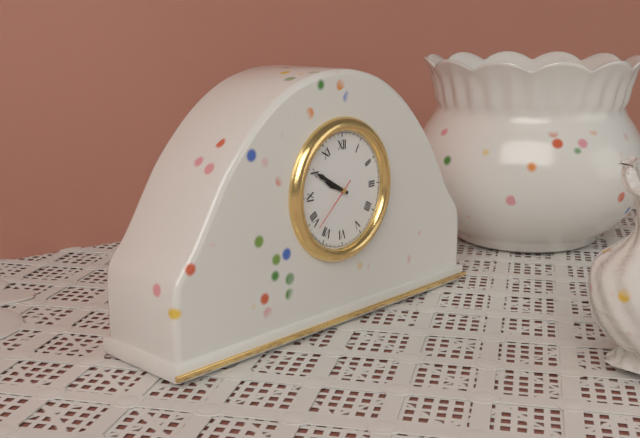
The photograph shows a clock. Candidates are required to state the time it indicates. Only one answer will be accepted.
9:50:38
